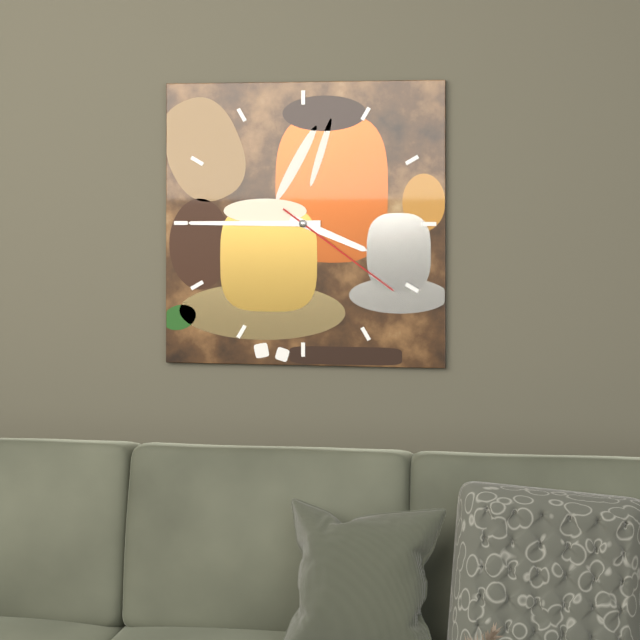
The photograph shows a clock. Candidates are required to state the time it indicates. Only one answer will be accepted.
3:45:21
